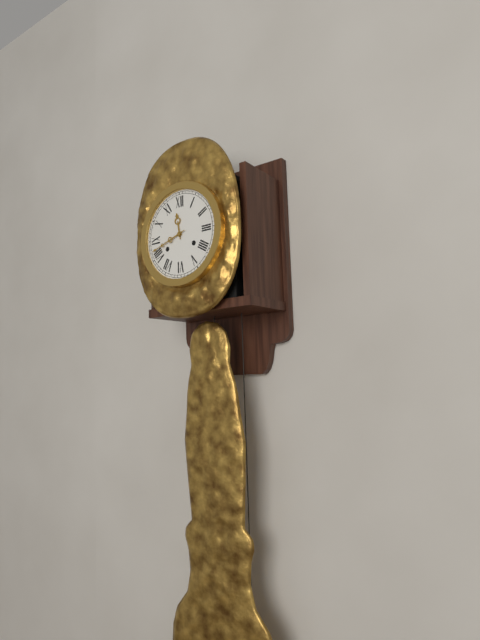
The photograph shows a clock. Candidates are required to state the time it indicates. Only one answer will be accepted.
11:42
